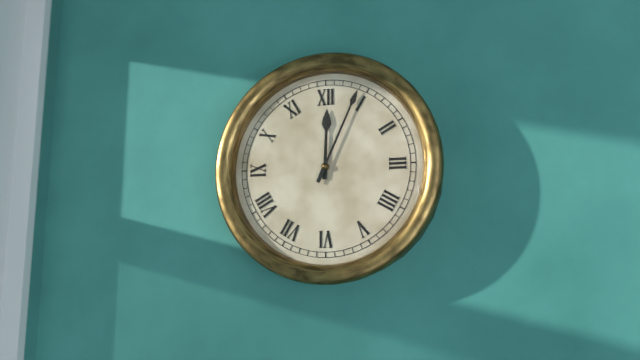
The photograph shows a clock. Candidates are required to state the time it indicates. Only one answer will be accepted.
12:04
